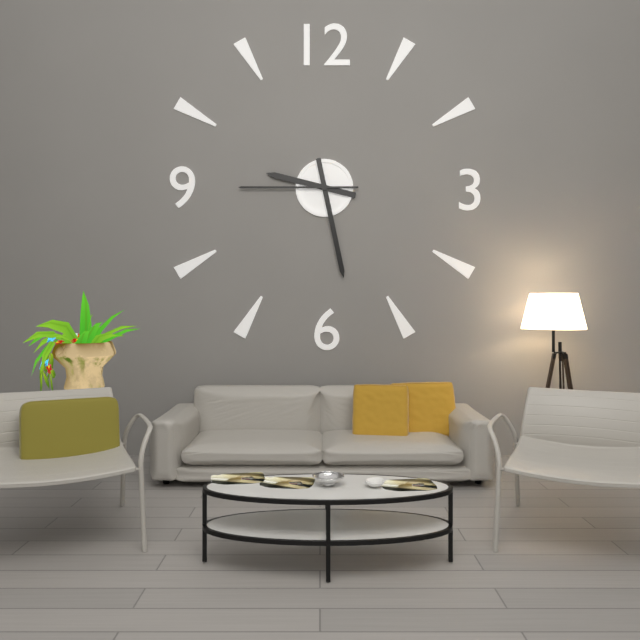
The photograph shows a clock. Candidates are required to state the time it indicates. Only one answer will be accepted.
9:28:45
